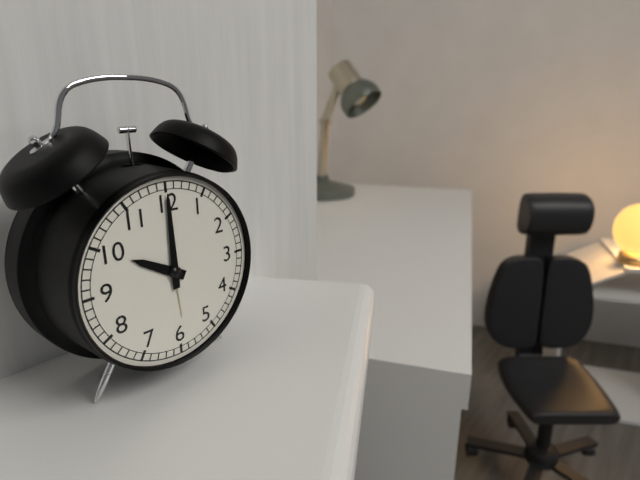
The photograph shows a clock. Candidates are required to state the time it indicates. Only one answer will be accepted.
10:00
